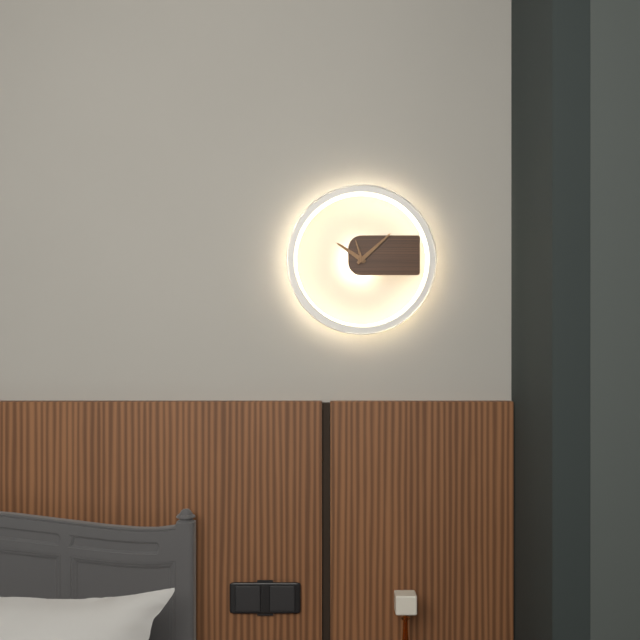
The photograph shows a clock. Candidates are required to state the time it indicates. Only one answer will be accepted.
10:08
